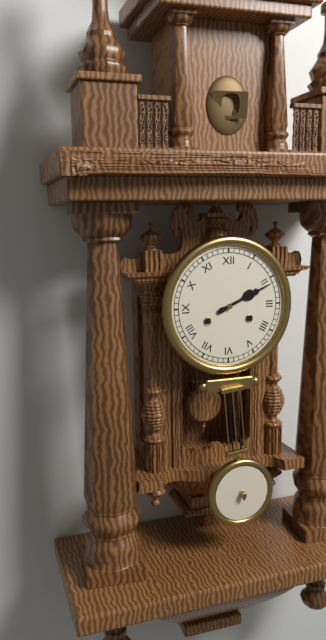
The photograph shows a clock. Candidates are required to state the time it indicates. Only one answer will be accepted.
2:11
